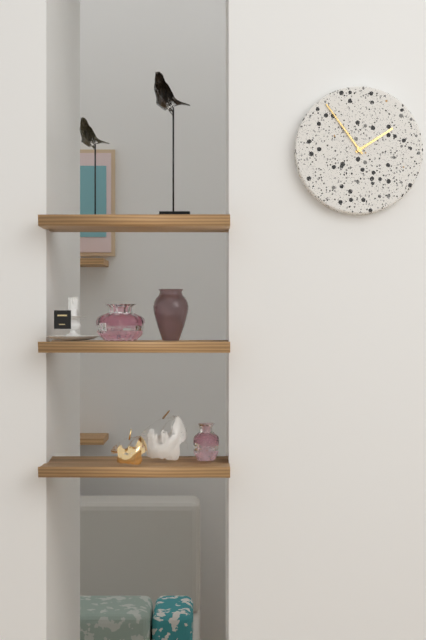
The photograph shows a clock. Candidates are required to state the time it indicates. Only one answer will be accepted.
1:54
